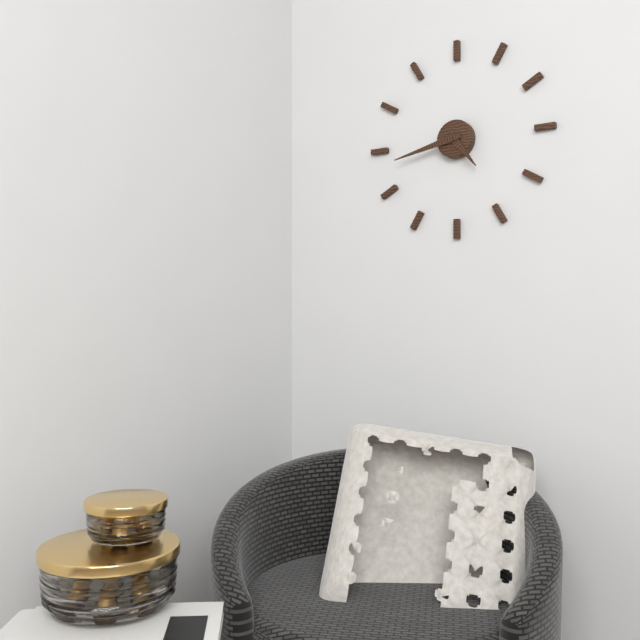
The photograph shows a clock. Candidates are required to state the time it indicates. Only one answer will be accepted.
4:43
